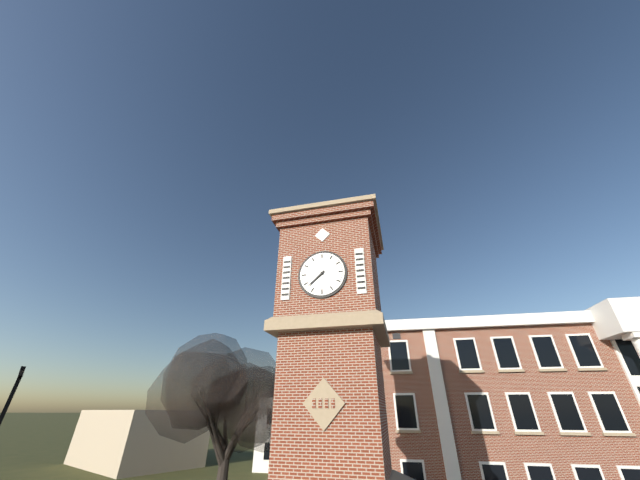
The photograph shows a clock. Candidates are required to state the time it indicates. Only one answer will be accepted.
7:38
